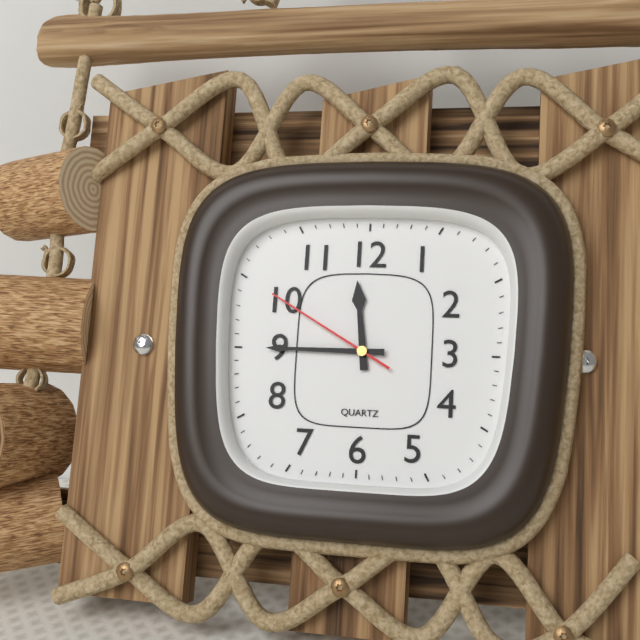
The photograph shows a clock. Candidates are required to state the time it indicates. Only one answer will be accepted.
11:45:50
